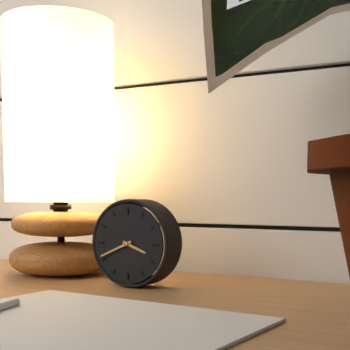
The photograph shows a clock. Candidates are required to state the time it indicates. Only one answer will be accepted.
3:41
